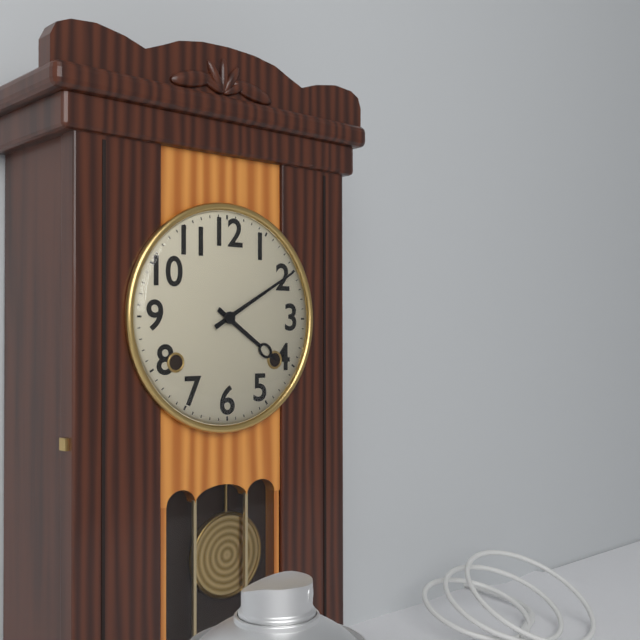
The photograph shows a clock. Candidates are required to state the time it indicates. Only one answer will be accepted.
4:10
